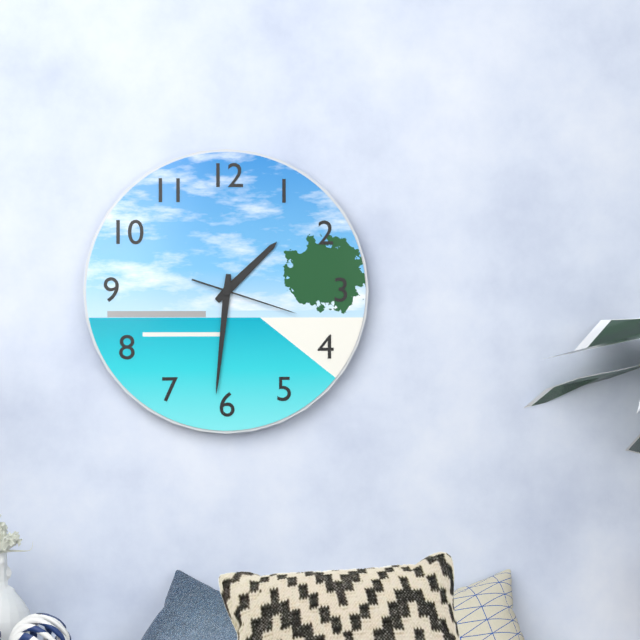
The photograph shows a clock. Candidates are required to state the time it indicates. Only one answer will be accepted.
1:31:18
